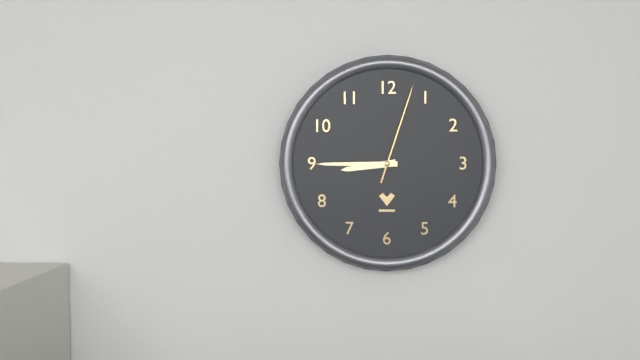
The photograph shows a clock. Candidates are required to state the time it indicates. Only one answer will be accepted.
8:45:03
